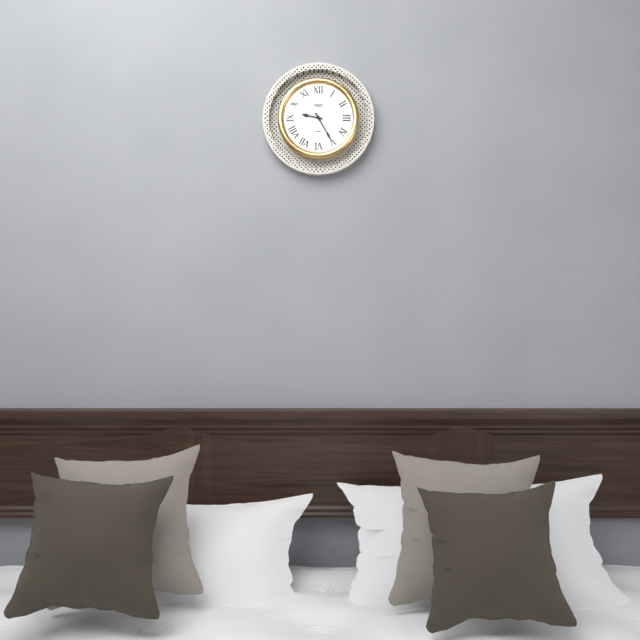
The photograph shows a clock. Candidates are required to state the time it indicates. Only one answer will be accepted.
9:25
